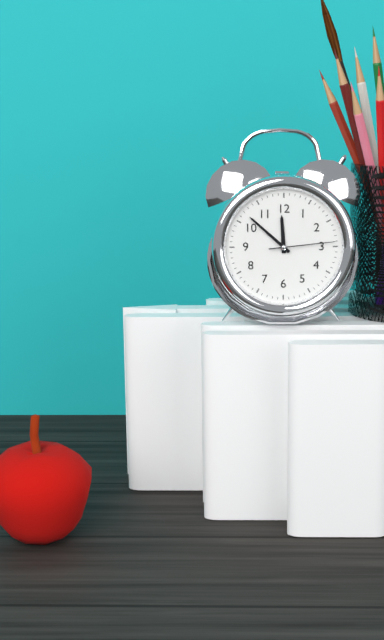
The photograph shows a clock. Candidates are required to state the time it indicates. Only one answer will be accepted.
11:52:14
